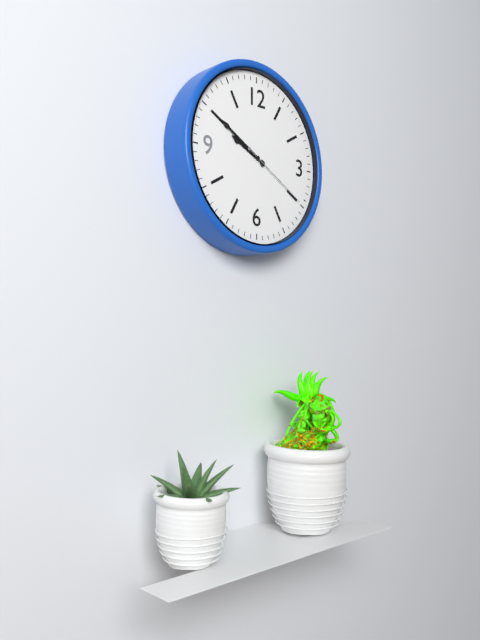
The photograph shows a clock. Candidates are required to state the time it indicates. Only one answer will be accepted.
9:50:20
